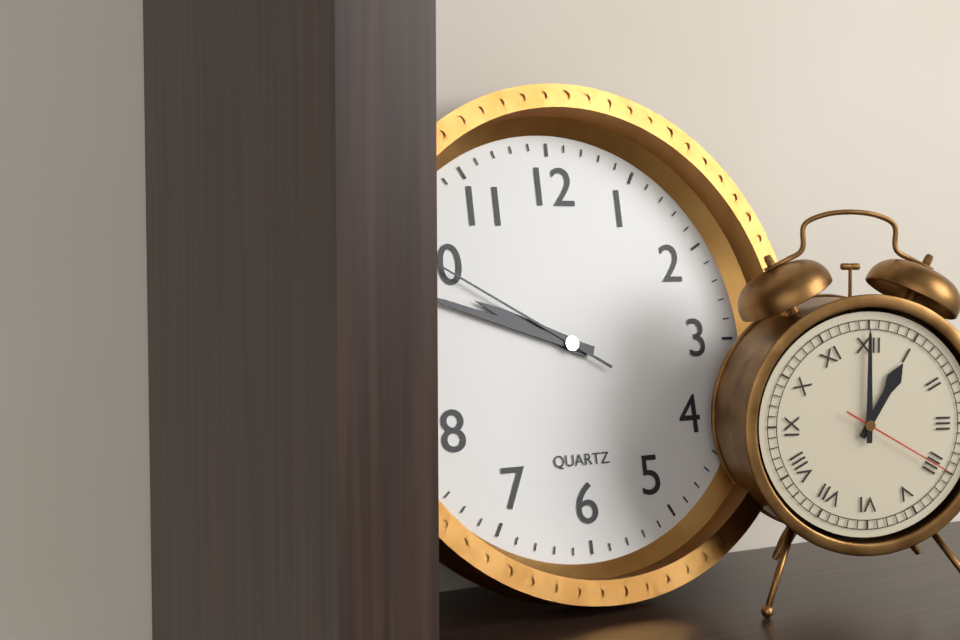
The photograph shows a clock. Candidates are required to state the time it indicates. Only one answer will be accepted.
9:48:50
